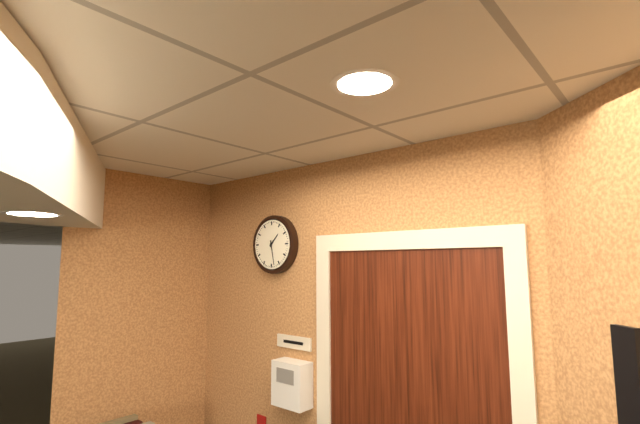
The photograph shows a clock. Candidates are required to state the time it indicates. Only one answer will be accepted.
1:28
